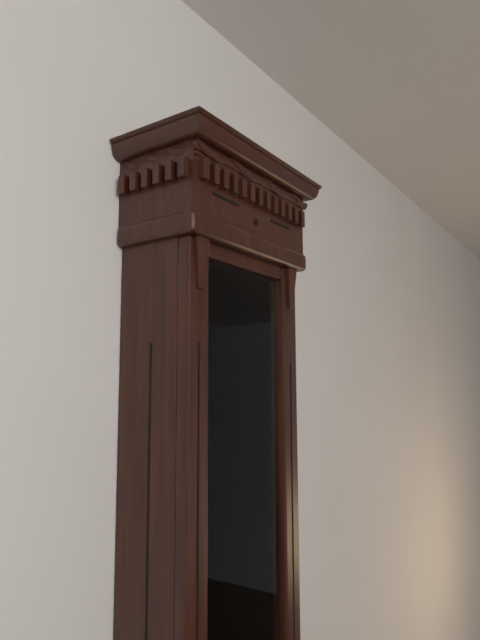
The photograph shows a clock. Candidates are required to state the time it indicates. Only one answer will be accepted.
12:11
